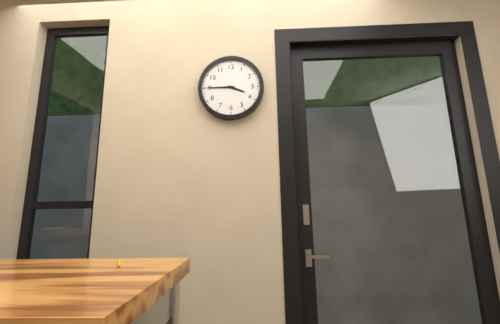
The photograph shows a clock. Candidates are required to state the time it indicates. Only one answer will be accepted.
3:45
